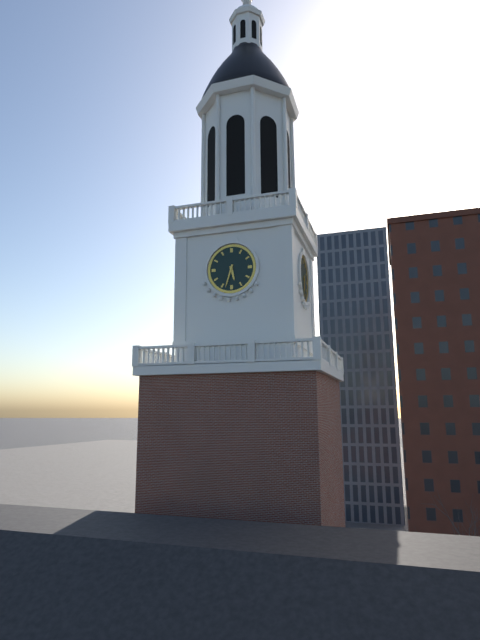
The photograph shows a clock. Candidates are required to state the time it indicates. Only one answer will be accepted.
5:33
